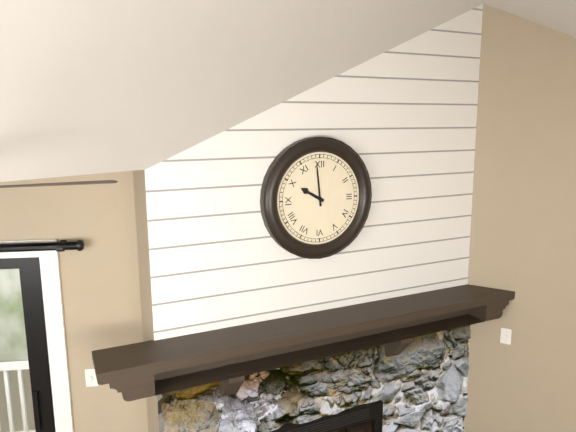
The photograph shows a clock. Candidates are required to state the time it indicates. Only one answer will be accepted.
9:59
